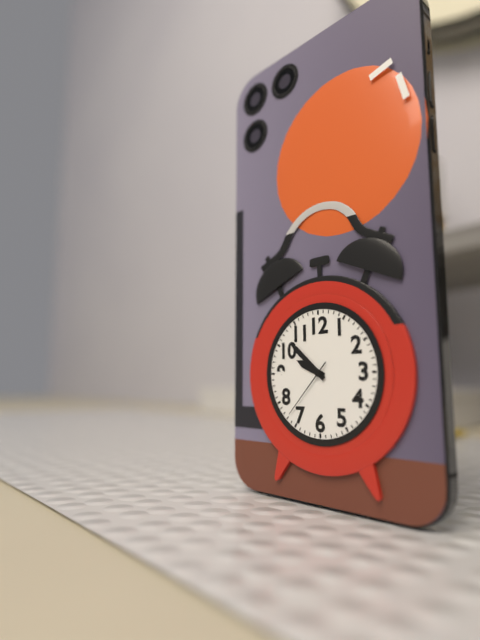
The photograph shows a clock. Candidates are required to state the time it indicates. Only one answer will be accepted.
9:52:37
